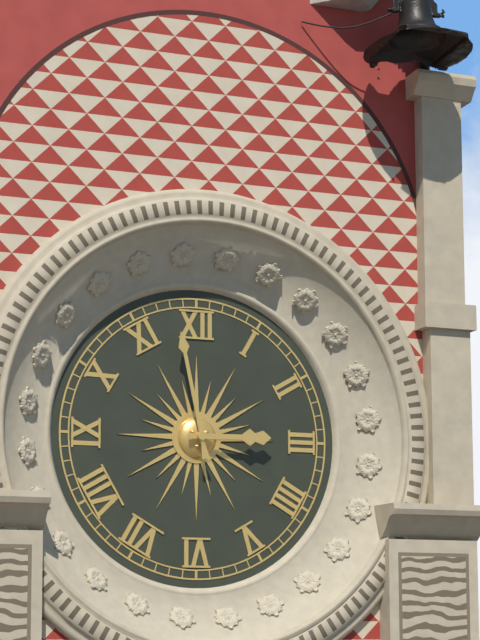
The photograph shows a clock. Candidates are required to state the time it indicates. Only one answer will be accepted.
2:58
